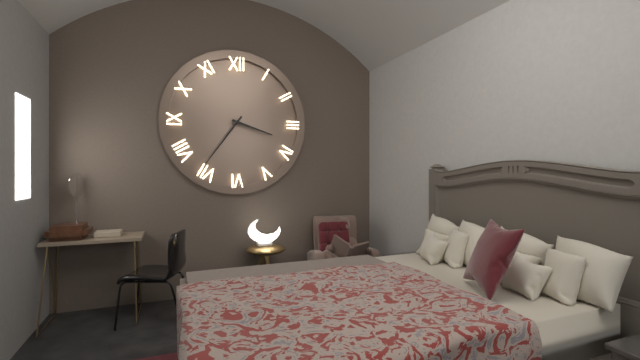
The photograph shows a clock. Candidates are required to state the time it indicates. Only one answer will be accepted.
3:36
